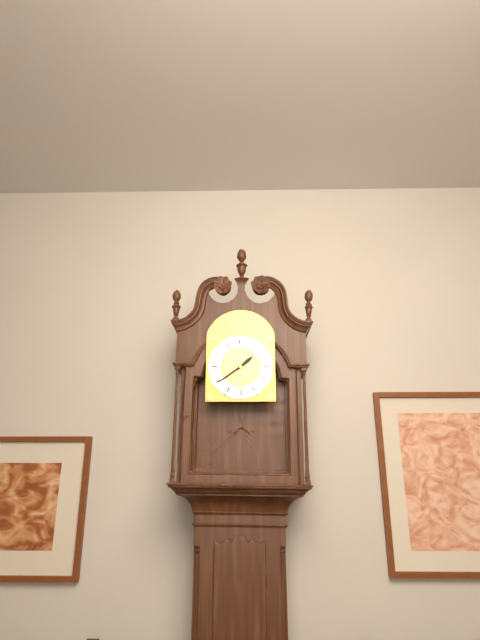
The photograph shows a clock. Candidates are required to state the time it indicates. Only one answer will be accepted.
1:39
